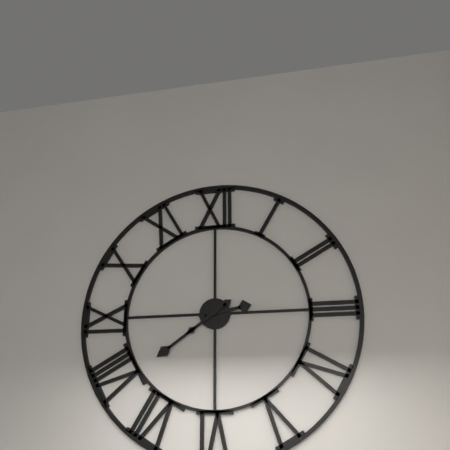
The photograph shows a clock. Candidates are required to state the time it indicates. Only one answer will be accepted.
2:39
